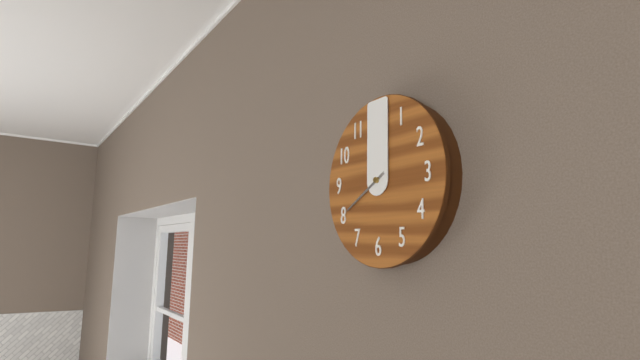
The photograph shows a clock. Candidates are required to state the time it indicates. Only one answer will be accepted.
8:00
